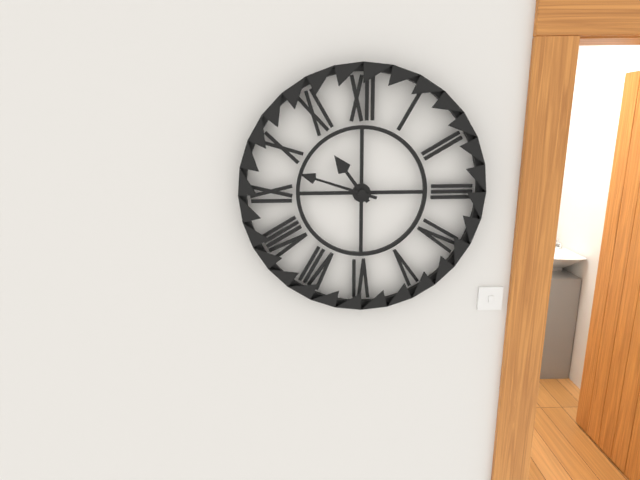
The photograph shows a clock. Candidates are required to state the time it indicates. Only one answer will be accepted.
10:48
